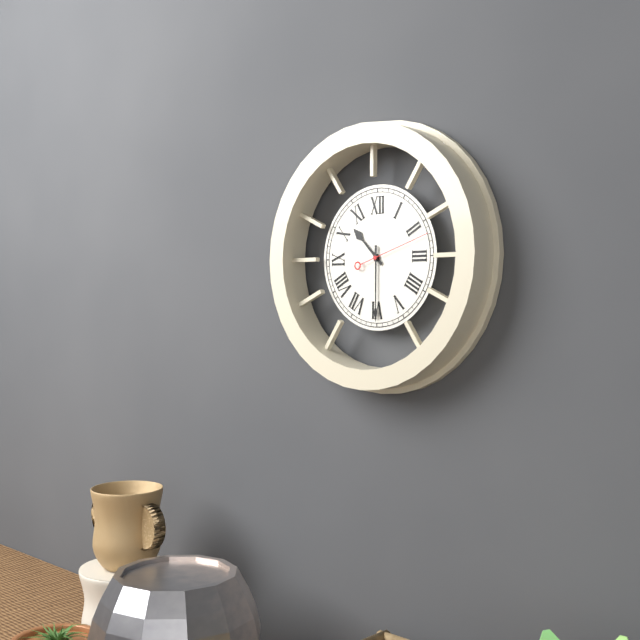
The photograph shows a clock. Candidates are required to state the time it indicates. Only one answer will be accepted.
10:30:12
